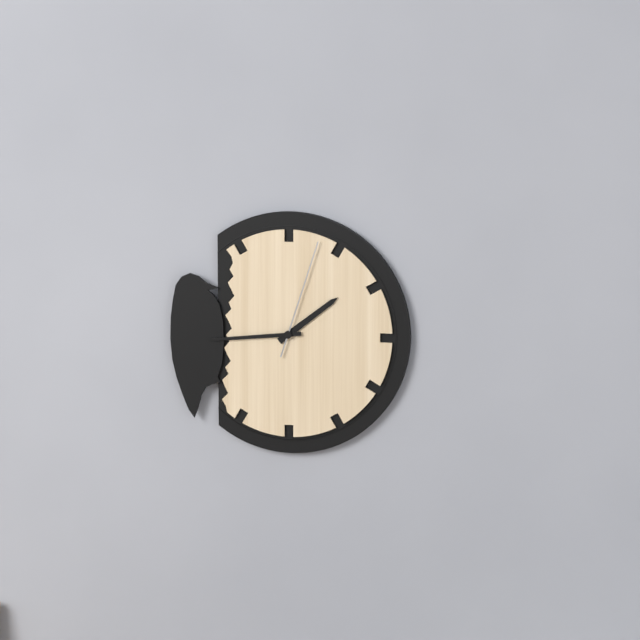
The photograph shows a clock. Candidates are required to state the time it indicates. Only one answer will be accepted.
1:44:03
